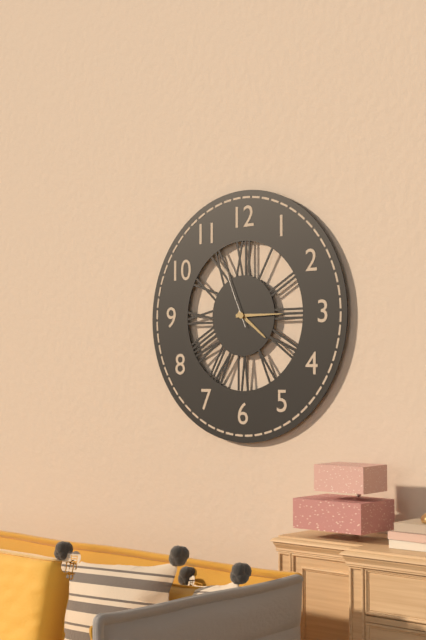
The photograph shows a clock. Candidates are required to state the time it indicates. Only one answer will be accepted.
4:15:56
